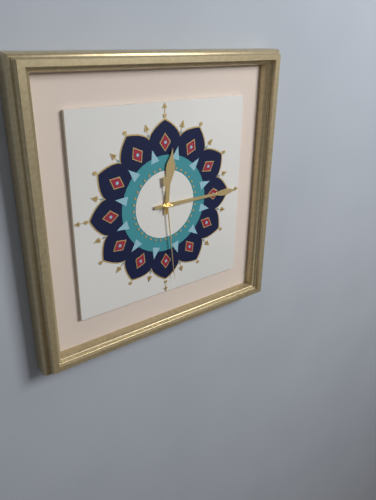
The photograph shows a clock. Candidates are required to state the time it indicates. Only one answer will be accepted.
12:15:29
